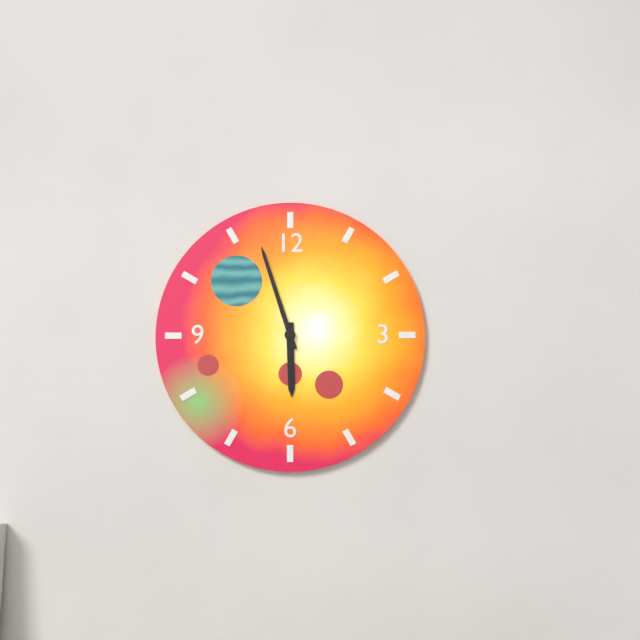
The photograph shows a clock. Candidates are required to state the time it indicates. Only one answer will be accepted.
5:57
